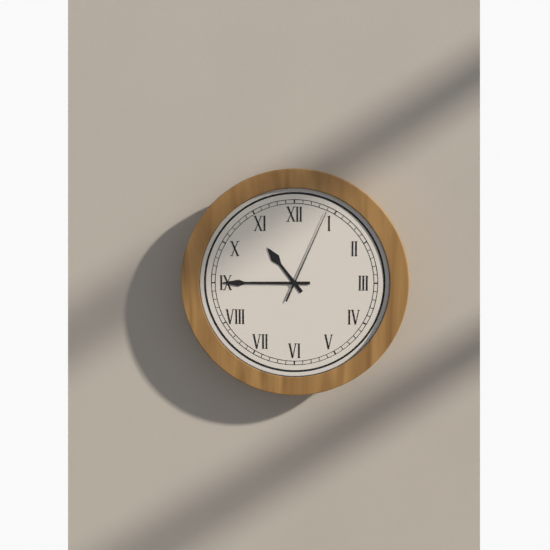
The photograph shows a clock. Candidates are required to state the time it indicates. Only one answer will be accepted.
10:45:04
